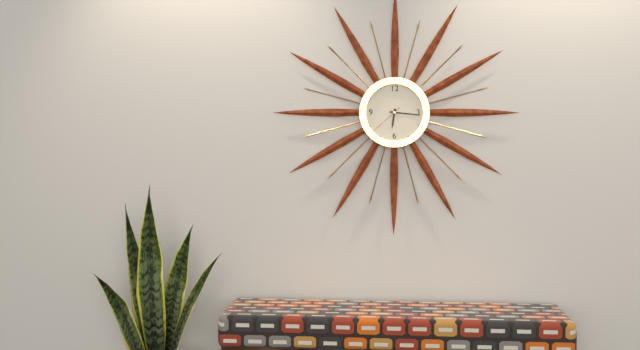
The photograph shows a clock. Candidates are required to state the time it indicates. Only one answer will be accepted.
6:16
